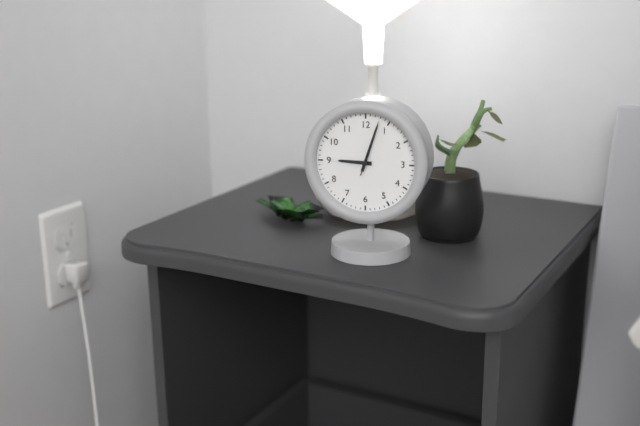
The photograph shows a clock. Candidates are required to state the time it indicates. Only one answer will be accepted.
9:03:03
